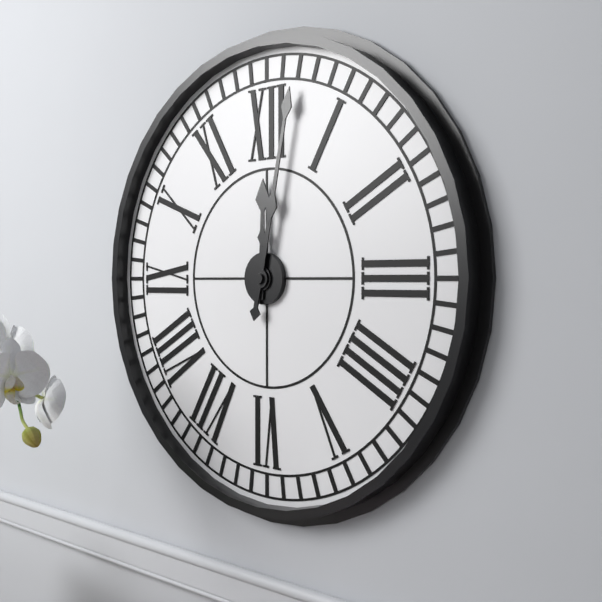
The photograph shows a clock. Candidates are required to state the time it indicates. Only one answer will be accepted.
12:02
